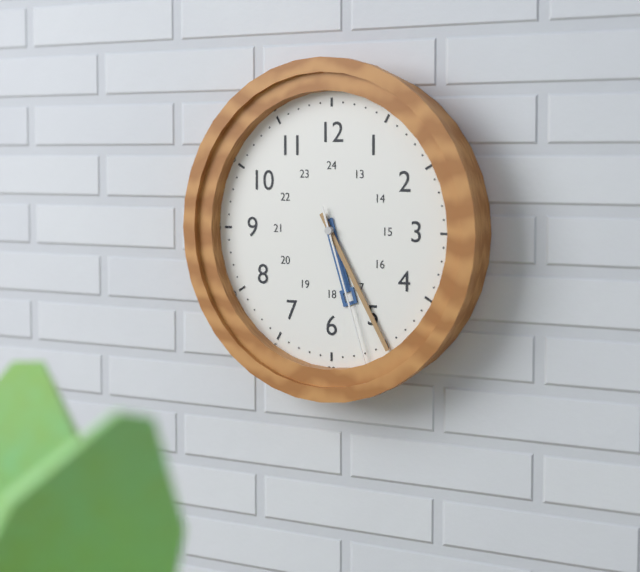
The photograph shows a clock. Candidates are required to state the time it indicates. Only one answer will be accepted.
5:25:27
